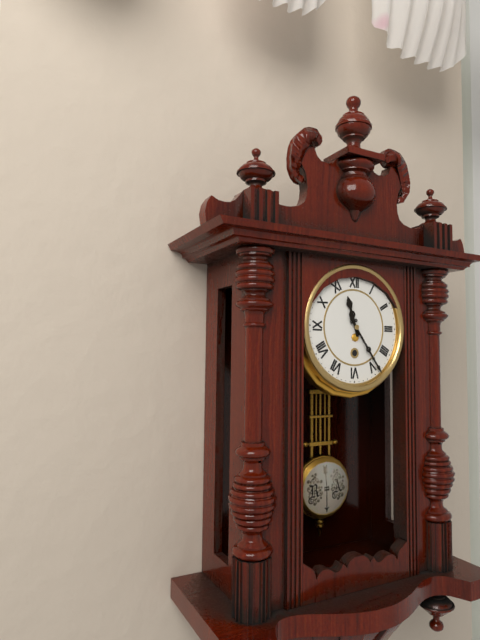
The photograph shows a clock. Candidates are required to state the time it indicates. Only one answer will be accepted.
11:24
